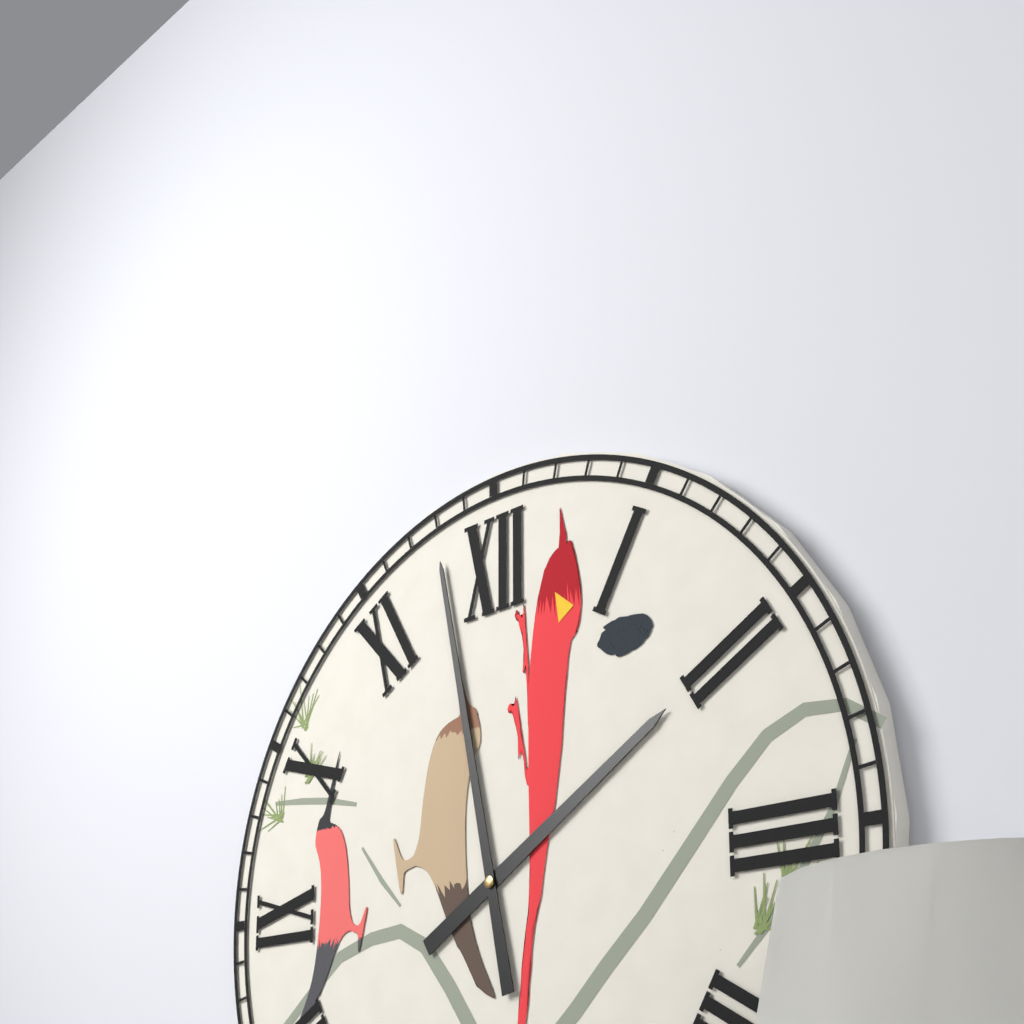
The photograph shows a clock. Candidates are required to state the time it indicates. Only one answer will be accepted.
1:58
